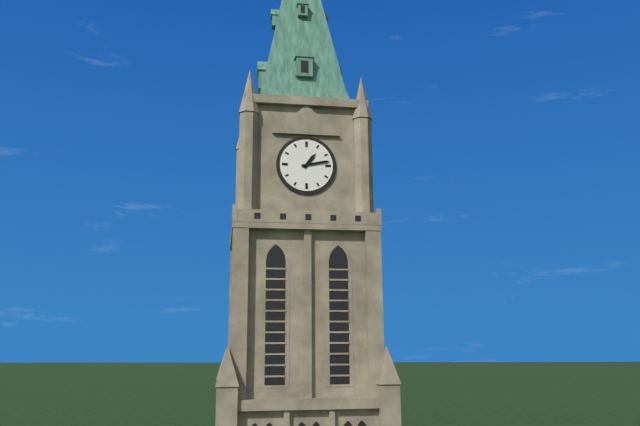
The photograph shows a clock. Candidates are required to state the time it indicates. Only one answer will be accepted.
1:13
